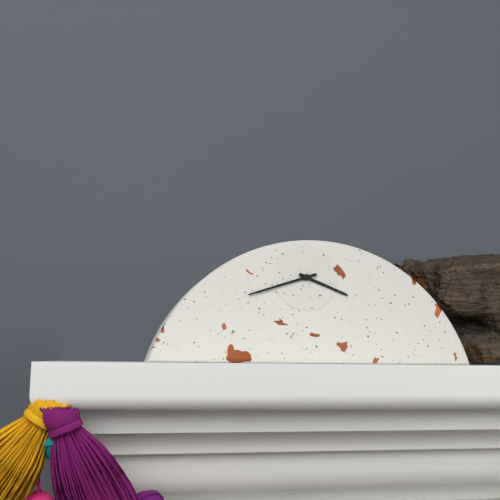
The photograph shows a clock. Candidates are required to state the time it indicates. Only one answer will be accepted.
3:42
